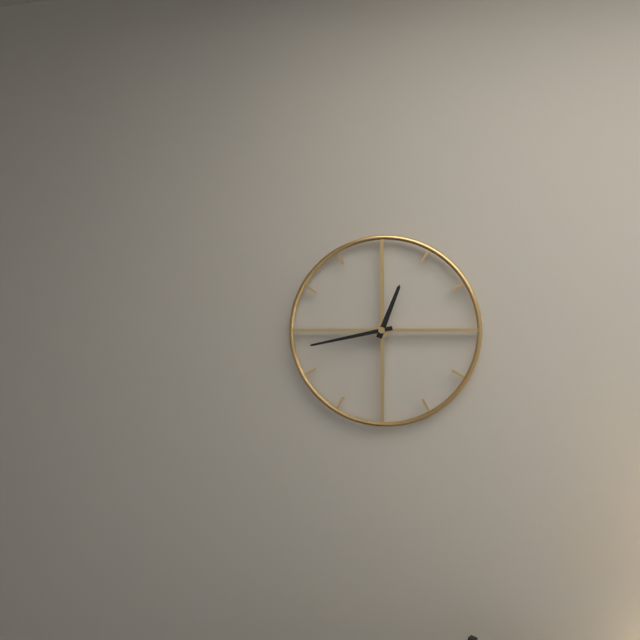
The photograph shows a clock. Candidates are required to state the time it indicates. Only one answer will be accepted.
12:43
